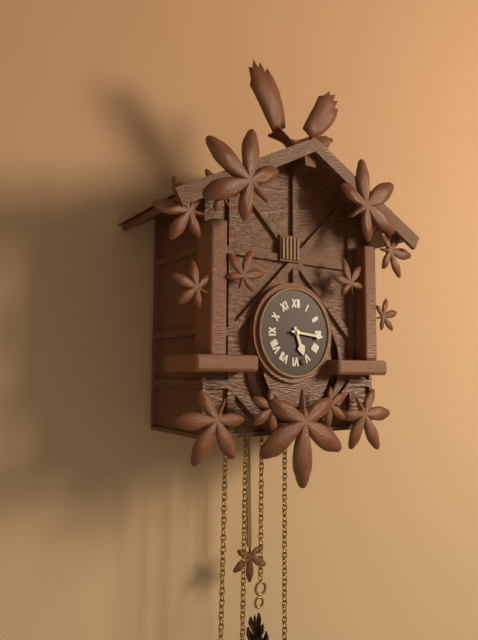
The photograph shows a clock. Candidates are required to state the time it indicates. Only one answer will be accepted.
5:16
